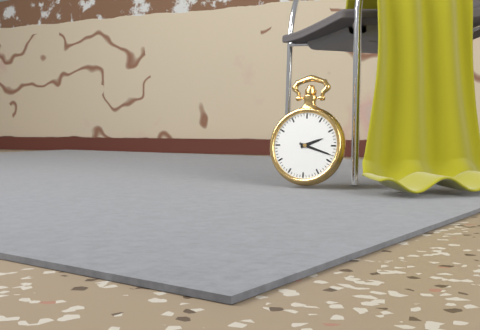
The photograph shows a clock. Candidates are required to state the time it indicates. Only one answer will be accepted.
2:18
